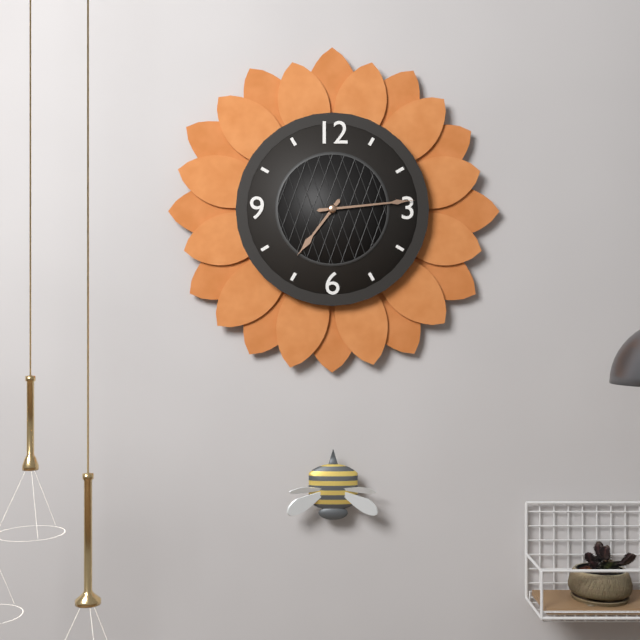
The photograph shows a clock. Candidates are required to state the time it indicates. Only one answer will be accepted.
7:14
